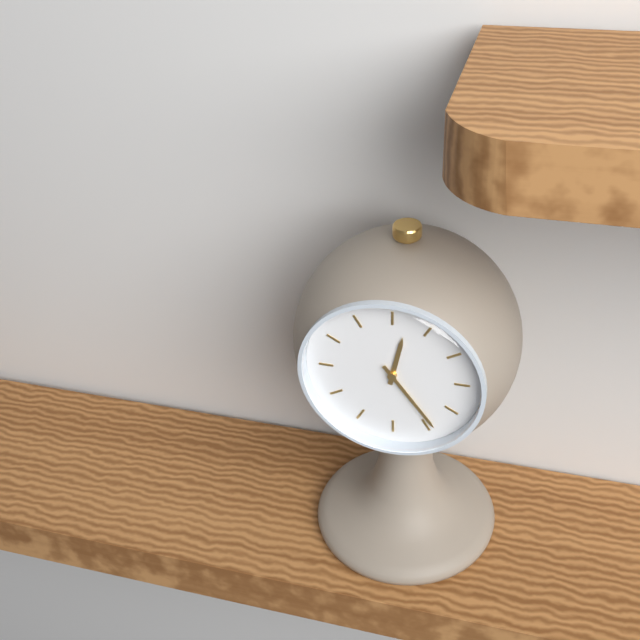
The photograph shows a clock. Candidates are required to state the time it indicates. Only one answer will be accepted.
12:24
